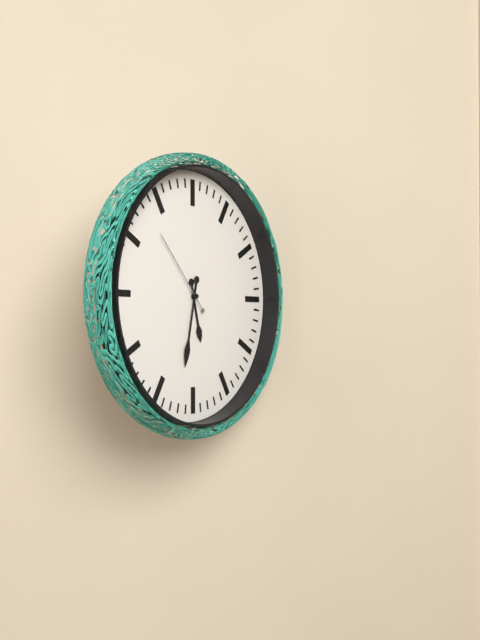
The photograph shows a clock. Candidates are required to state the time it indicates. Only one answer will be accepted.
5:32:53
